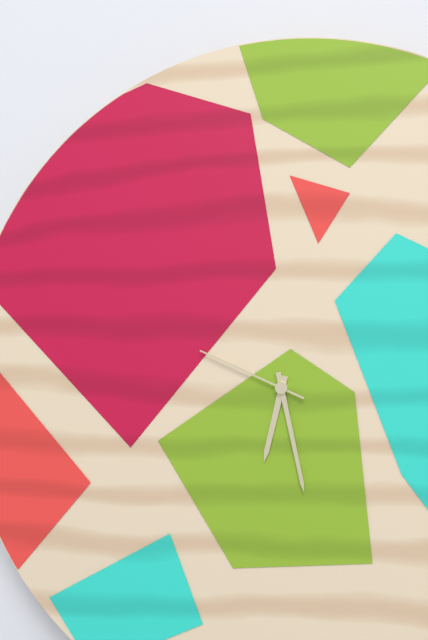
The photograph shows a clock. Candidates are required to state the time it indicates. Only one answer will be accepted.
6:28:49
